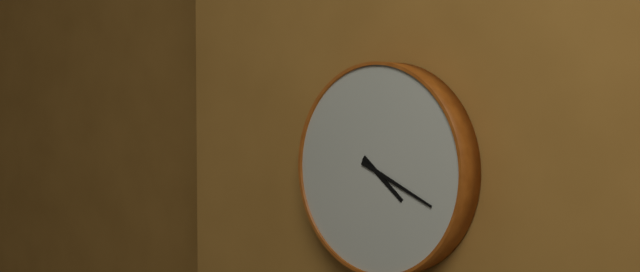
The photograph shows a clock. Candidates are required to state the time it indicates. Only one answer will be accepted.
4:19
